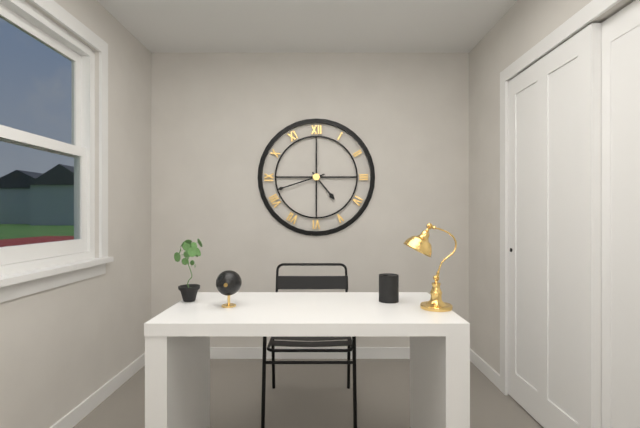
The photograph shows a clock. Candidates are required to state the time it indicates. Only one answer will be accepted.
4:42
